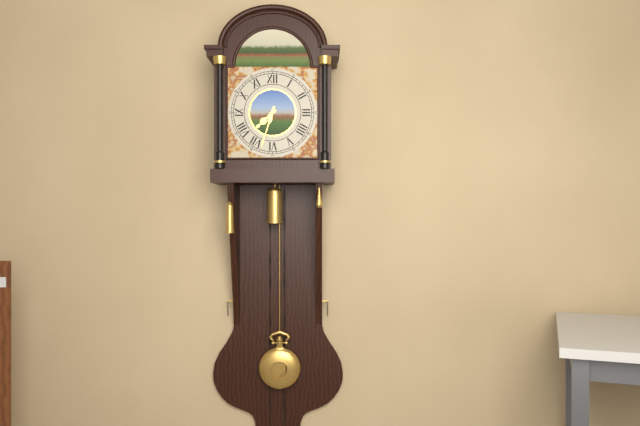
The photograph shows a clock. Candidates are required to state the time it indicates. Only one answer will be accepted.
7:33
